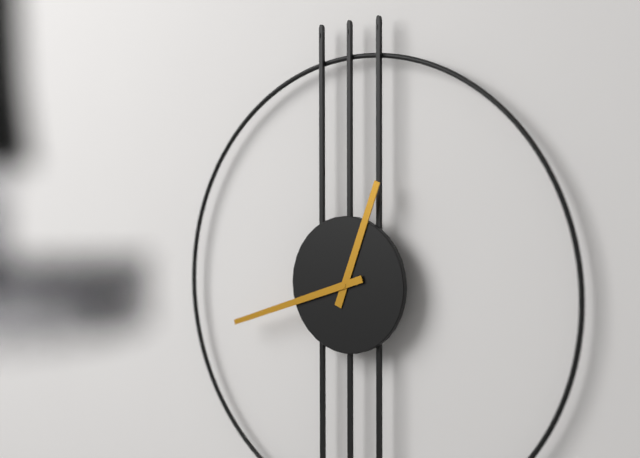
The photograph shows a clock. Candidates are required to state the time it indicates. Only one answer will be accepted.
12:42
